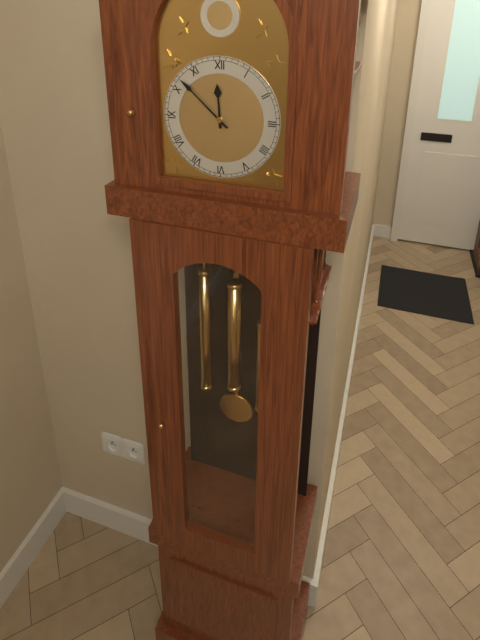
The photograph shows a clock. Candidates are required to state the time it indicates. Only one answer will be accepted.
11:52
